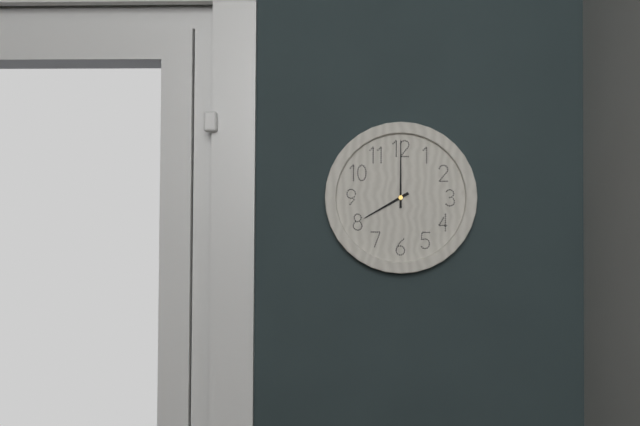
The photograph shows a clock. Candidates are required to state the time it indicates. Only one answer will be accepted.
8:00
